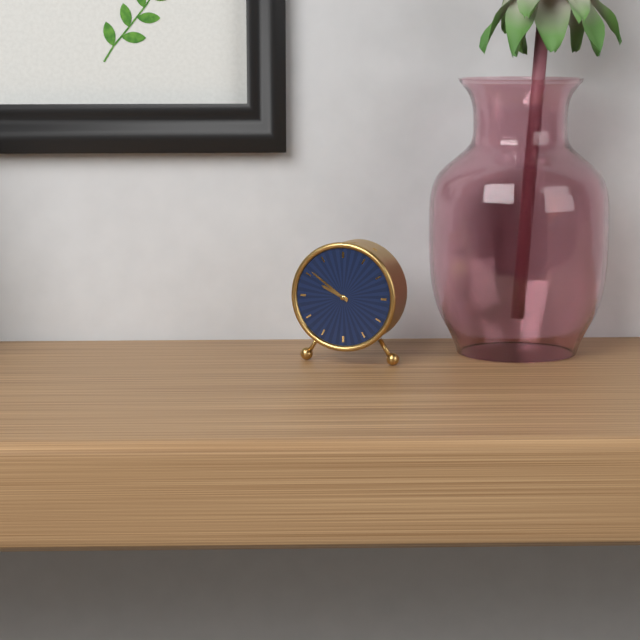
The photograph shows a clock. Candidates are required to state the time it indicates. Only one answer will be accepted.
9:51
